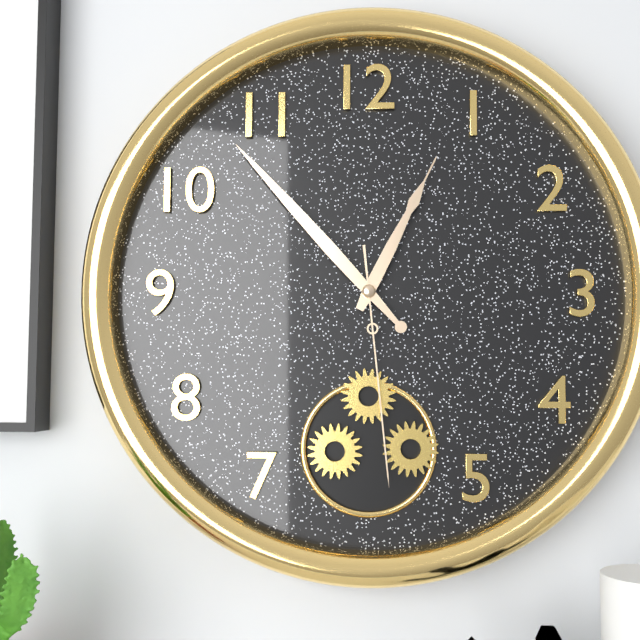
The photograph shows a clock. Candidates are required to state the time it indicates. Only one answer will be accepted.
12:53:29
